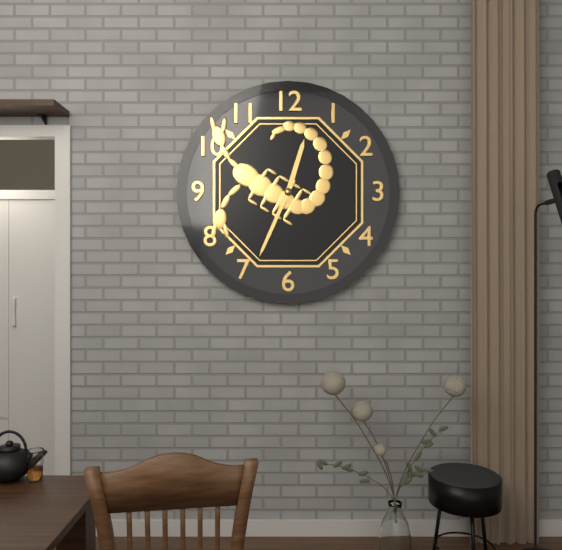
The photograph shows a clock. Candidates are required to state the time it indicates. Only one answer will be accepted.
12:34
